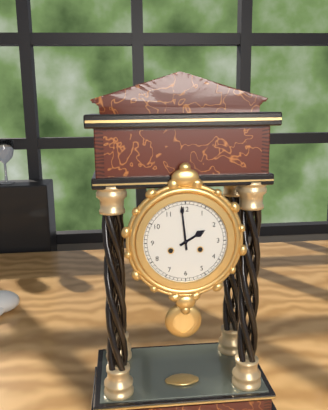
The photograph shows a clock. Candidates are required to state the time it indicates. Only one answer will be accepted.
1:59
